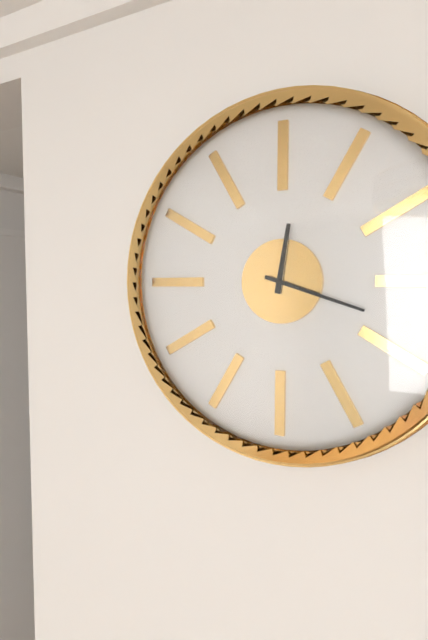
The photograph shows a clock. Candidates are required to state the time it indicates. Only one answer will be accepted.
12:18
